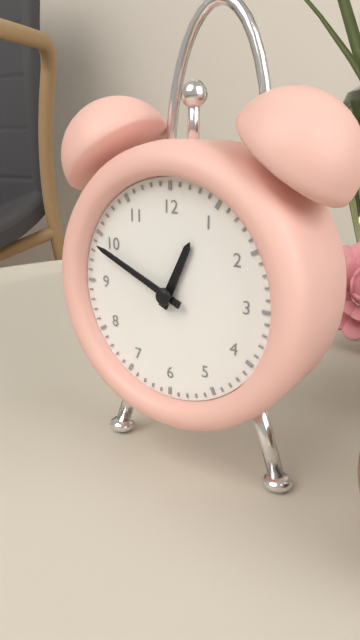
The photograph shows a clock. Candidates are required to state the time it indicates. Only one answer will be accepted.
12:49
